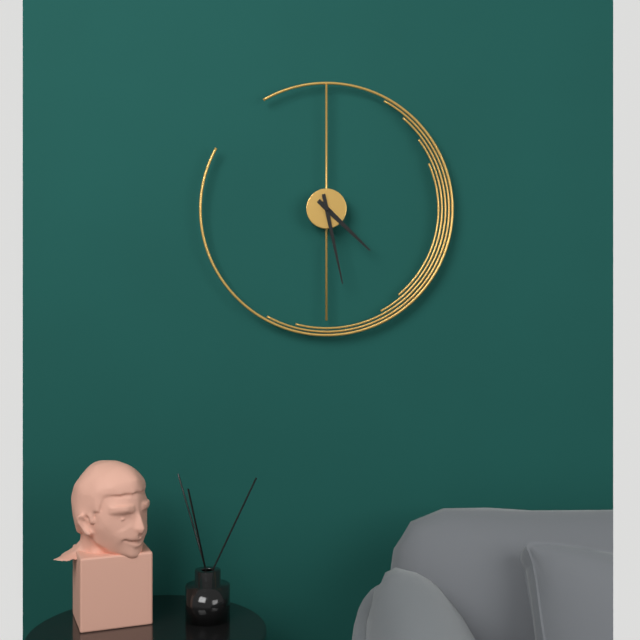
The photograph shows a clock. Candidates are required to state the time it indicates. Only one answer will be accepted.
4:28
